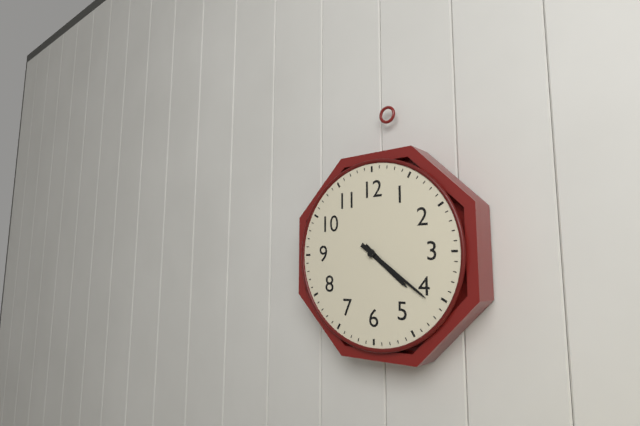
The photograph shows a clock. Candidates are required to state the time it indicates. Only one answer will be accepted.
4:21
